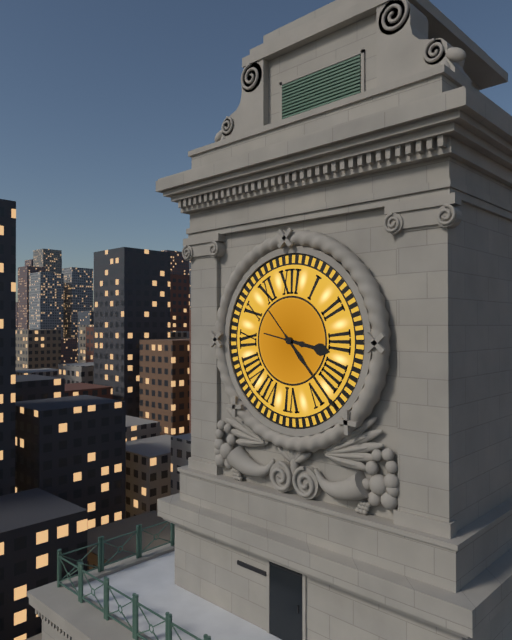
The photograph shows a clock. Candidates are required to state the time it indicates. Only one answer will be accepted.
3:23
